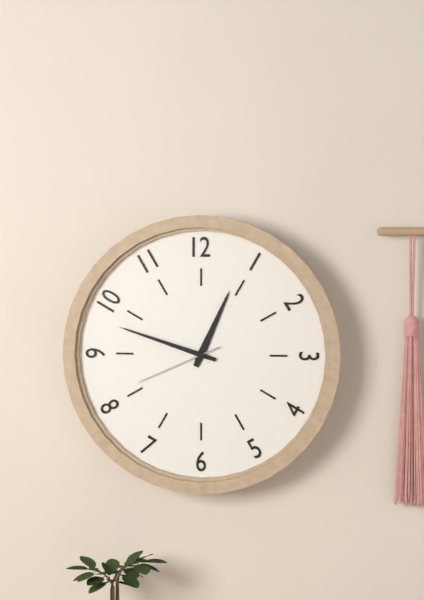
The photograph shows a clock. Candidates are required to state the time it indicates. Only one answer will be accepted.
12:48:41
